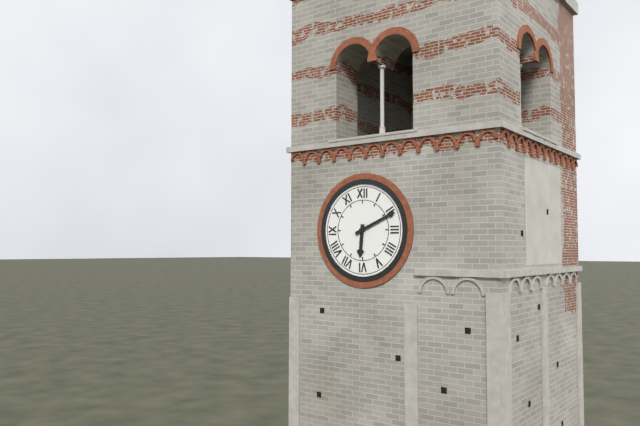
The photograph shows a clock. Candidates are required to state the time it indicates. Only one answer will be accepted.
6:11
